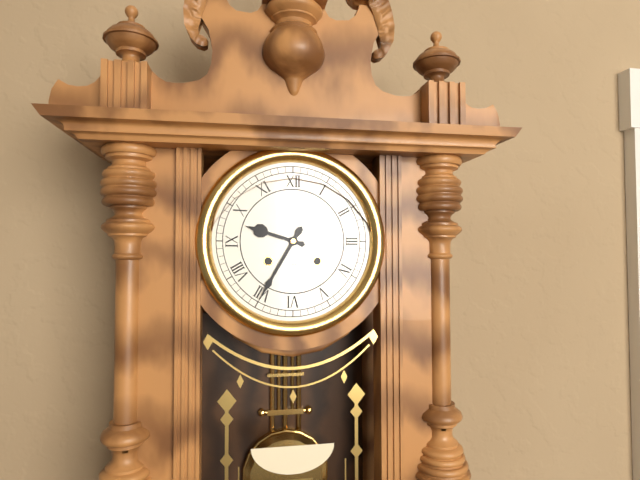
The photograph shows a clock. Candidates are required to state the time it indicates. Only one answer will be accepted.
9:35
